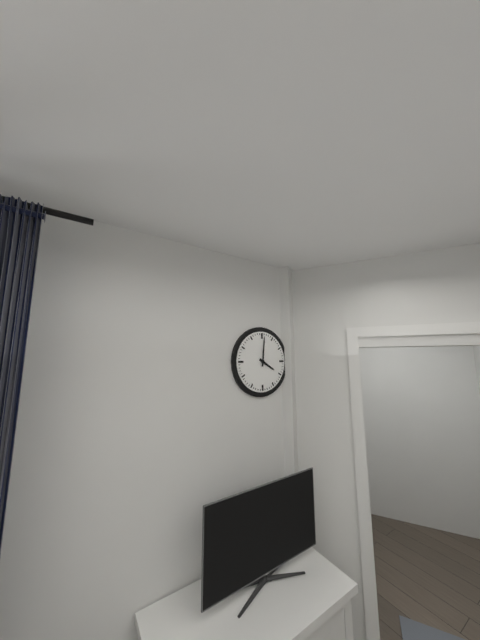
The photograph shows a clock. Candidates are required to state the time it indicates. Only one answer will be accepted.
4:01
